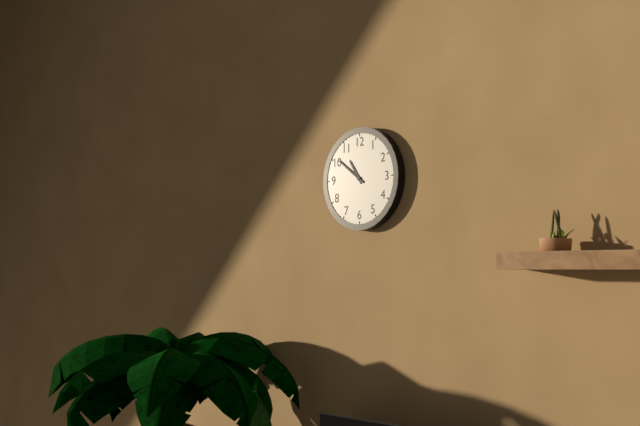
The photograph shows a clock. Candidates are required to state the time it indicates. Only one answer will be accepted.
10:51
